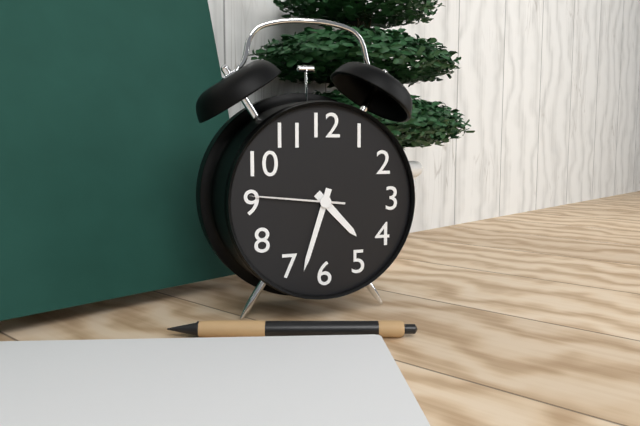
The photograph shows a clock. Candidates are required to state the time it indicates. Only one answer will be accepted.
4:33:46
